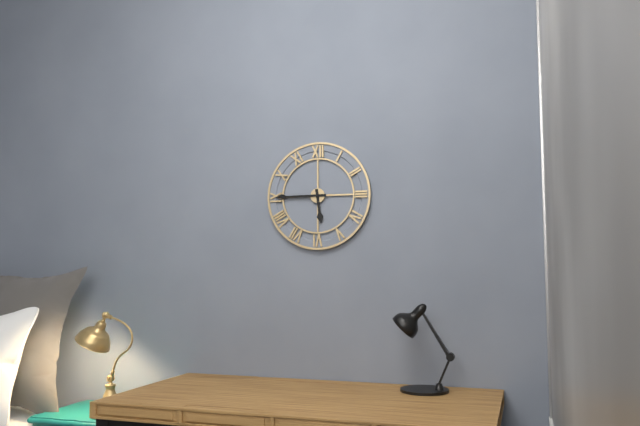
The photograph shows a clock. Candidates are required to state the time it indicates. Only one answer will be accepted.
5:45
